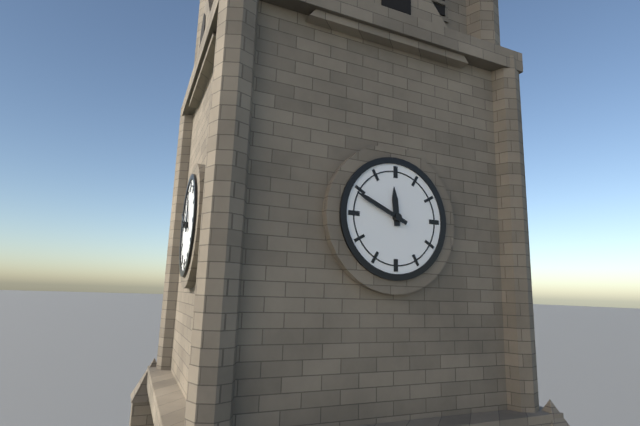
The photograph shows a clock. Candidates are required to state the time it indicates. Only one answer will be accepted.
11:49
